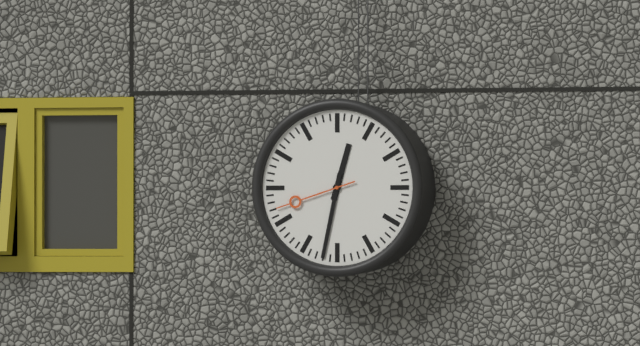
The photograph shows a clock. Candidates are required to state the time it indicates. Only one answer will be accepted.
12:32:42
